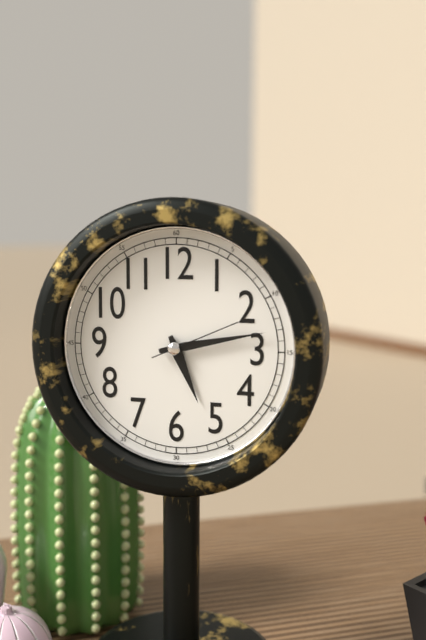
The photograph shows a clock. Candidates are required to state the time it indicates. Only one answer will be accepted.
5:13:11
